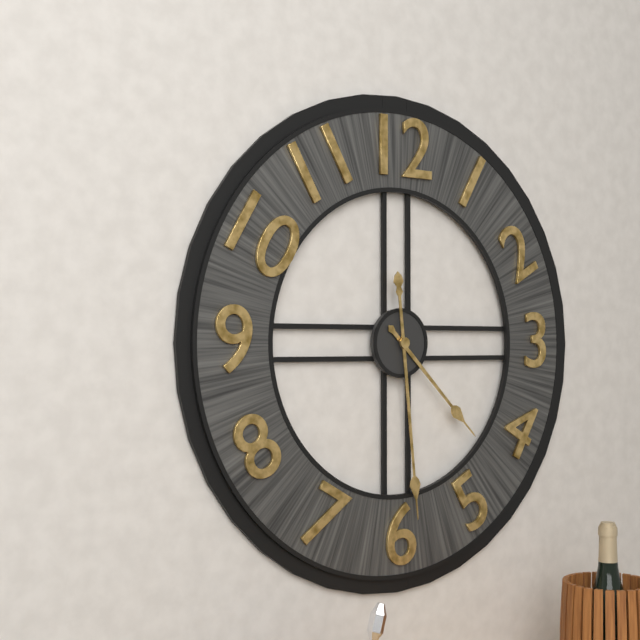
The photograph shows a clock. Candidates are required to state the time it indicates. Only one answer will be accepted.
4:29
